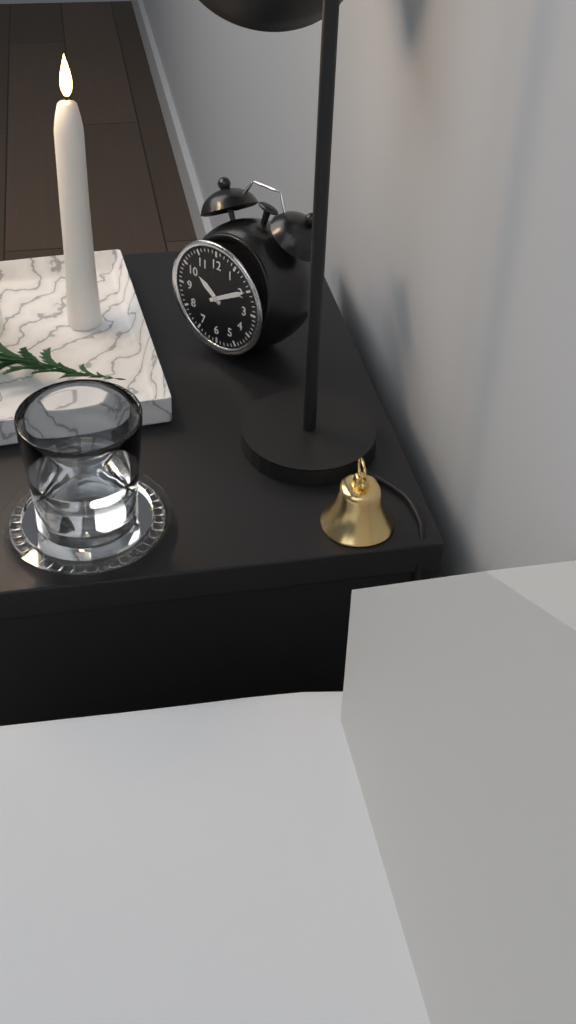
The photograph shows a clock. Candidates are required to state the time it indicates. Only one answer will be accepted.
10:10
